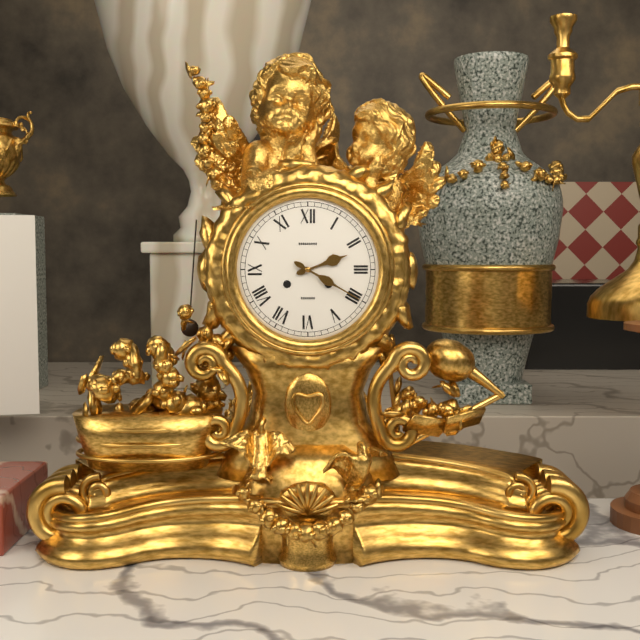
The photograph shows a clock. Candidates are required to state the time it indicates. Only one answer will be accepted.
2:20
